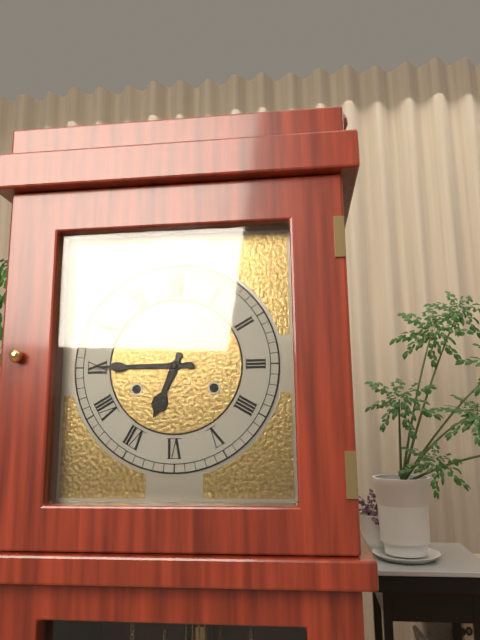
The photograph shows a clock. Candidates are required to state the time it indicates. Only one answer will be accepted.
6:45
